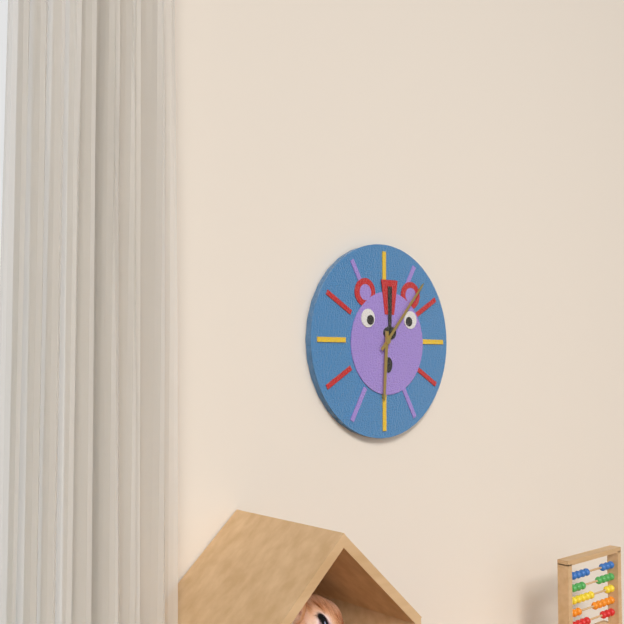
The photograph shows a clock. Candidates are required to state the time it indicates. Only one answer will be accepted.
6:07
